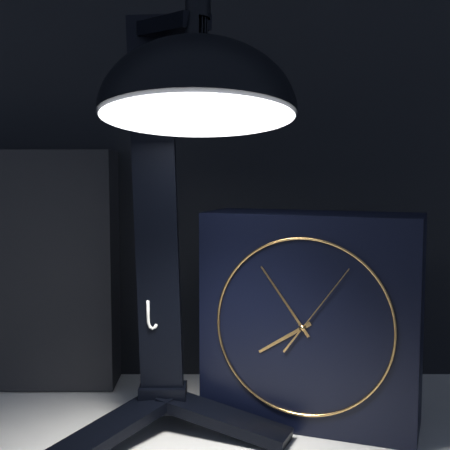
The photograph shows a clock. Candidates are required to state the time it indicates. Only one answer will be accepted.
7:54:06
